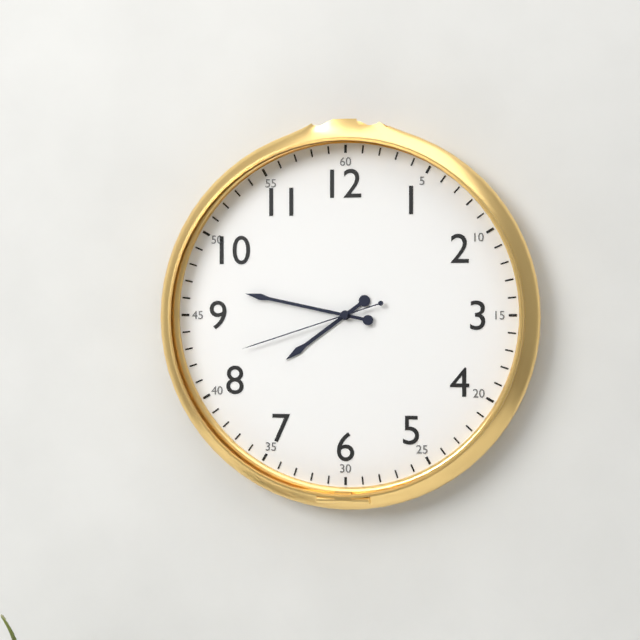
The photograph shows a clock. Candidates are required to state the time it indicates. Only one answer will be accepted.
7:47:42
